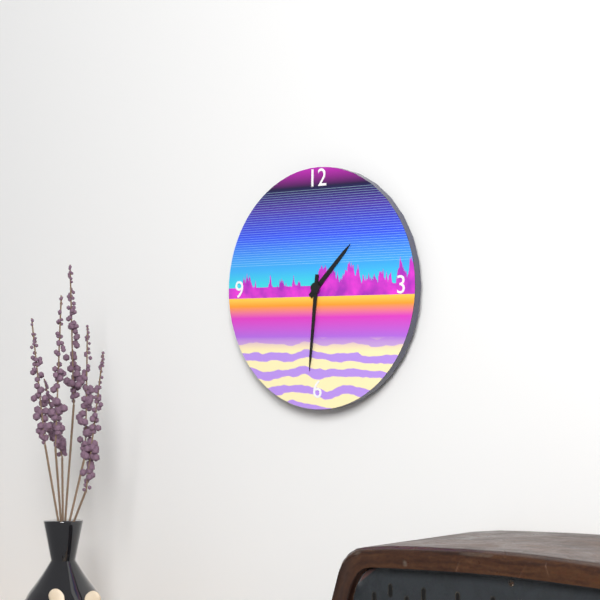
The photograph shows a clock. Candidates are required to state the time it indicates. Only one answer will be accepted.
1:31
